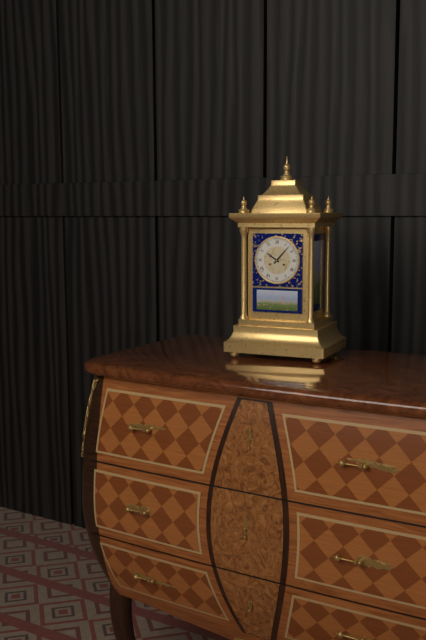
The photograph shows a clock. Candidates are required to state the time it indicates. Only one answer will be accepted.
10:07
